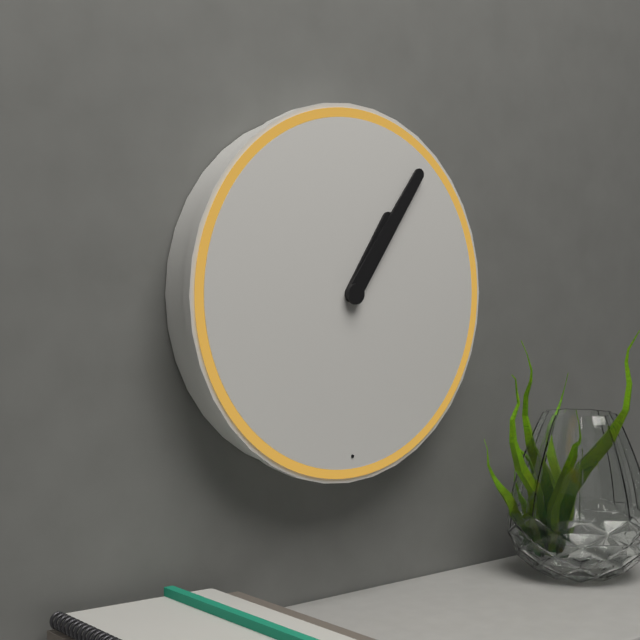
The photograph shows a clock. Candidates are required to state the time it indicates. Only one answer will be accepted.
1:06
